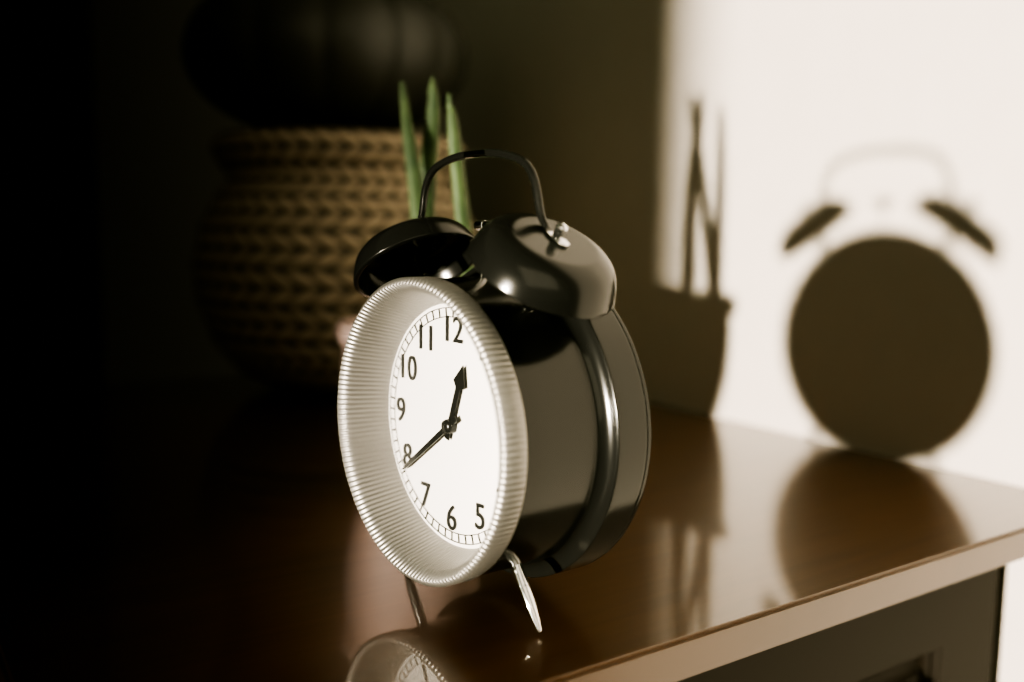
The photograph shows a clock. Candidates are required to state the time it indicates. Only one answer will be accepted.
12:39
